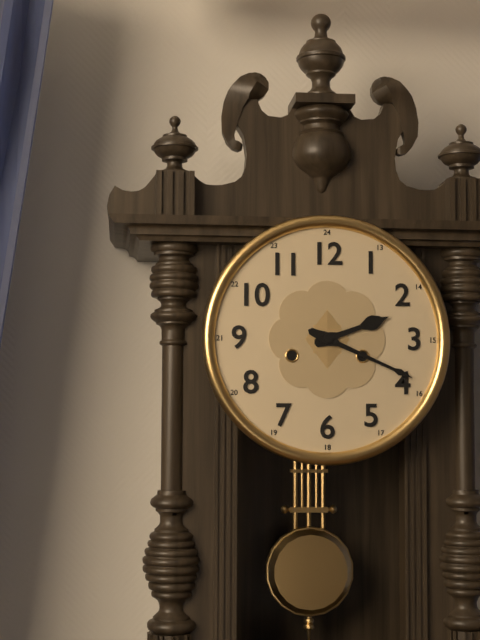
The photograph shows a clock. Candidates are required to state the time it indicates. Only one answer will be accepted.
2:19
